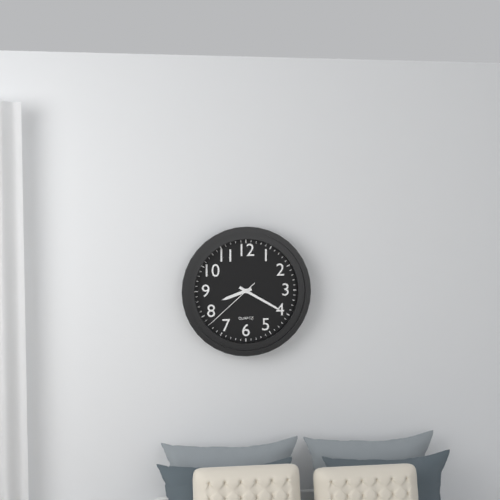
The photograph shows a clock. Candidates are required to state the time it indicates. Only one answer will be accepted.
8:20:38
